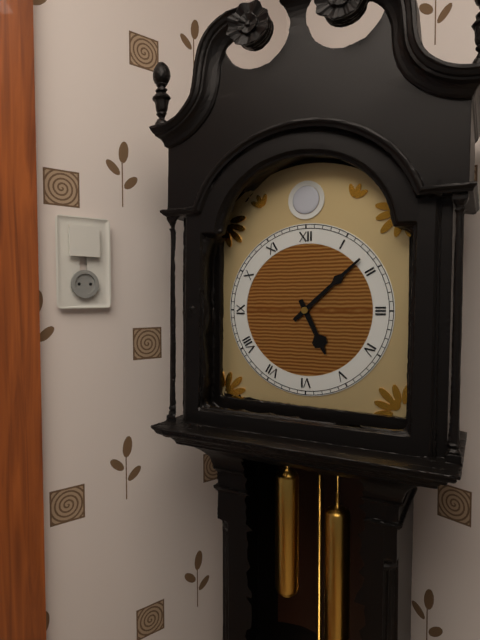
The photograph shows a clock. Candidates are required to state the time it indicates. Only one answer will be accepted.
5:08
